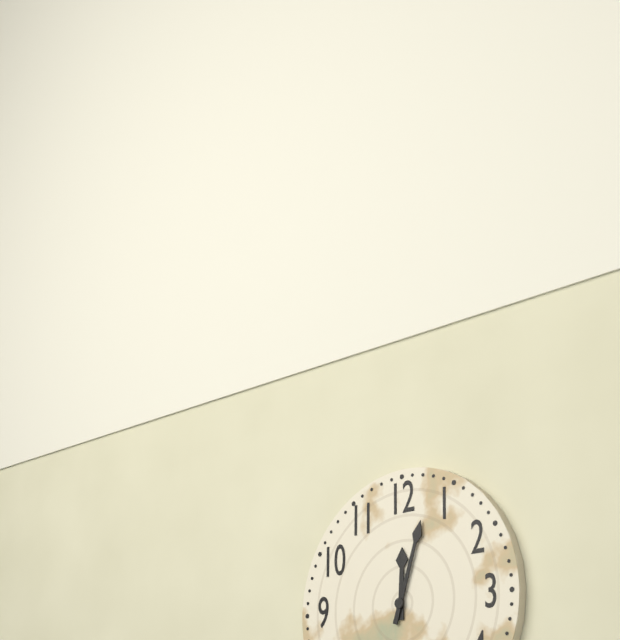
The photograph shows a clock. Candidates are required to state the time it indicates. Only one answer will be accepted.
12:03
